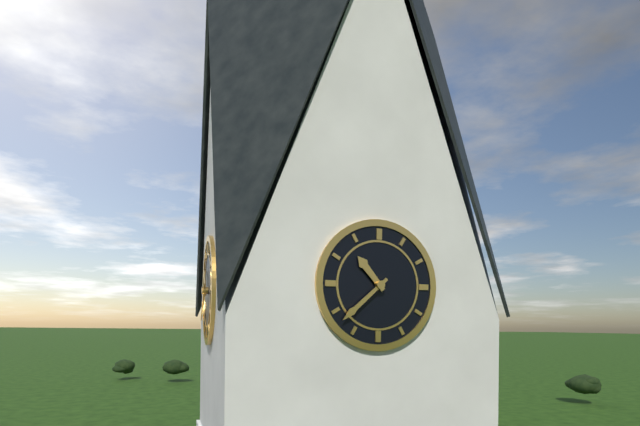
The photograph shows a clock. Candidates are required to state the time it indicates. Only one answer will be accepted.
10:38
